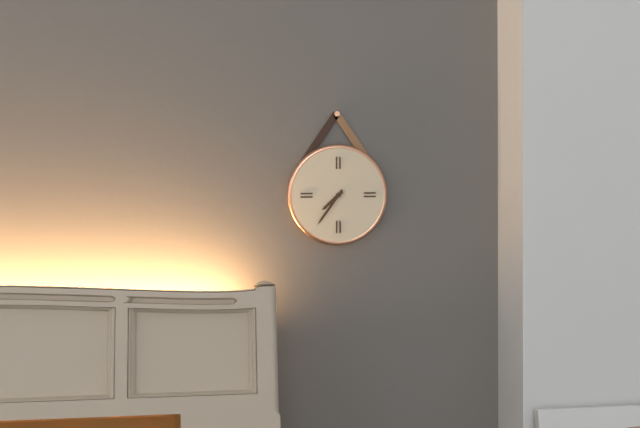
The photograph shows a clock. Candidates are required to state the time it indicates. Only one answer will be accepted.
7:36
